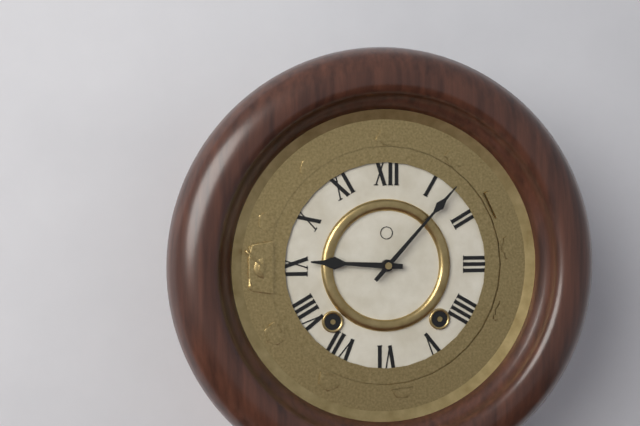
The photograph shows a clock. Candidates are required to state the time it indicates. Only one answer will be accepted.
9:07
